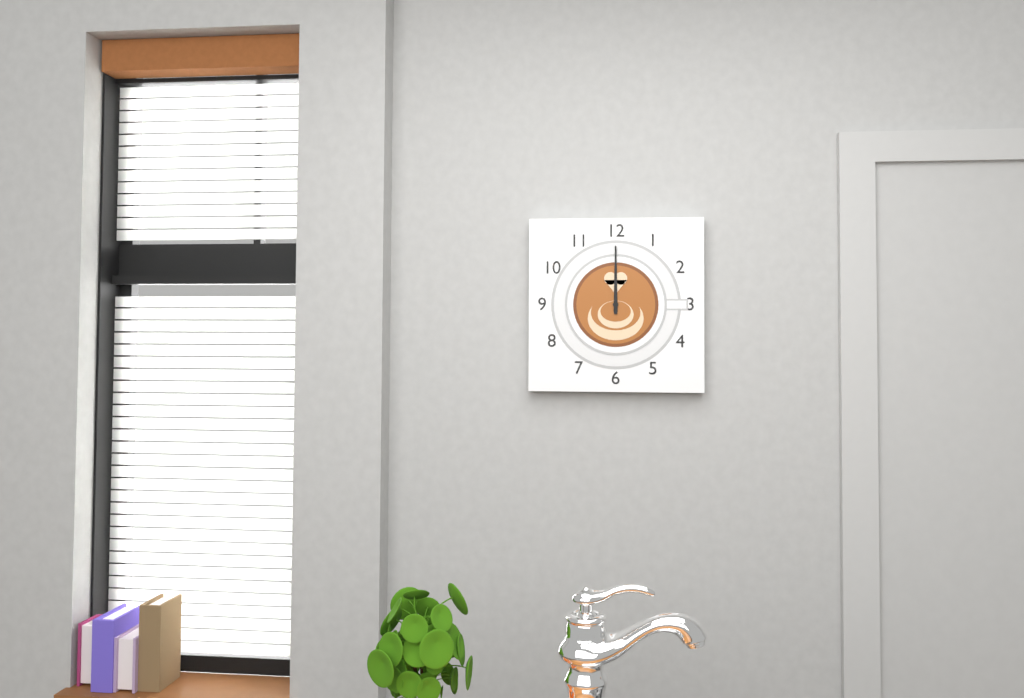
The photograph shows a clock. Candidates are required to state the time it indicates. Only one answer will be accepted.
12:00
